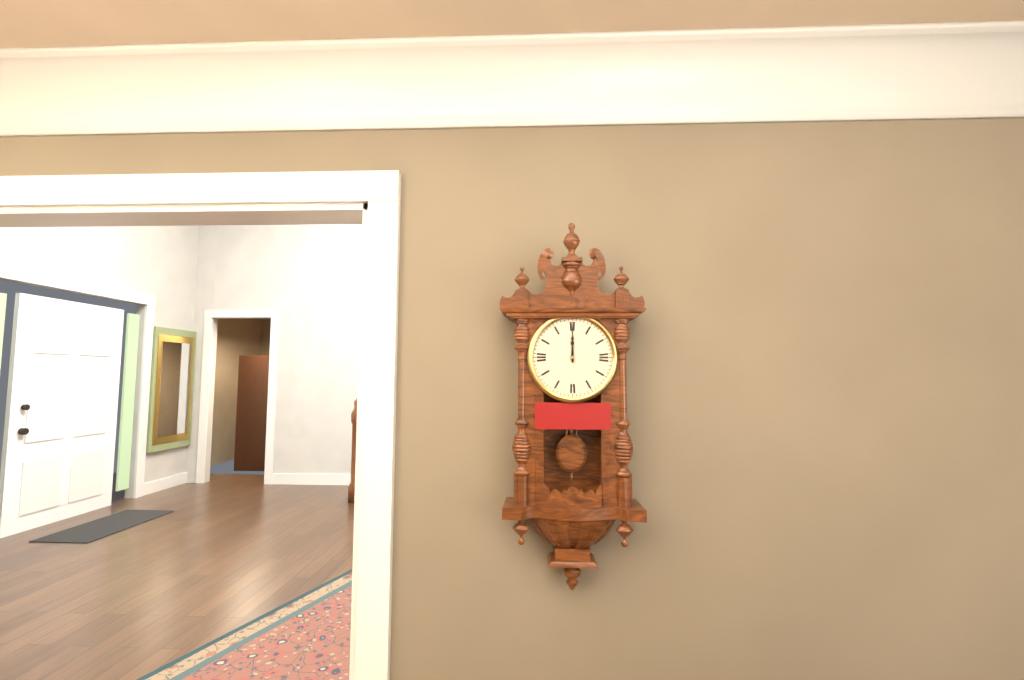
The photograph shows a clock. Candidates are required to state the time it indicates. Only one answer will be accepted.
12:00
